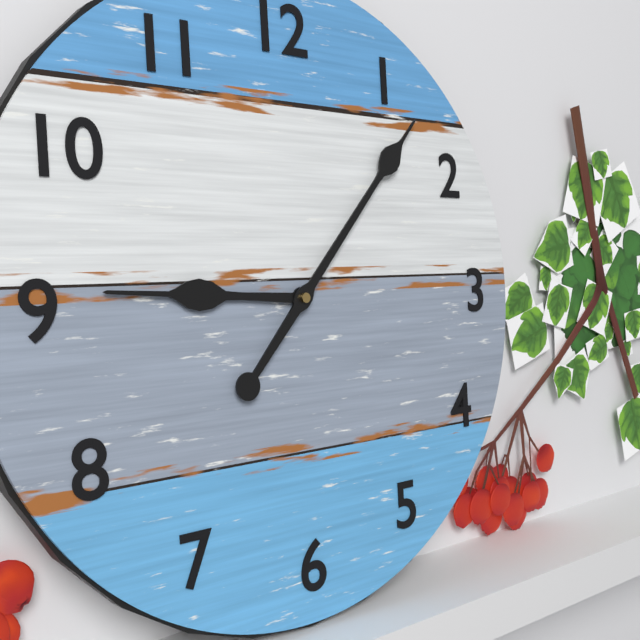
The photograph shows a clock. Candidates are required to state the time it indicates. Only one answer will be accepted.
9:07
